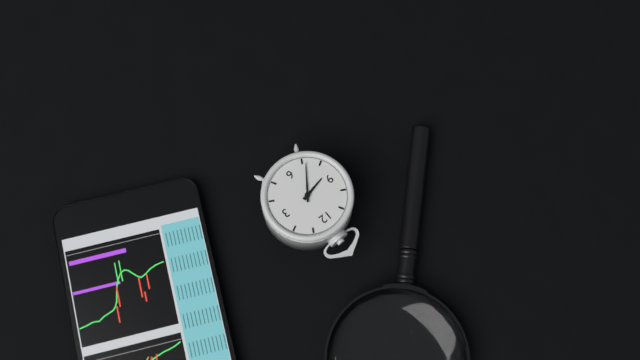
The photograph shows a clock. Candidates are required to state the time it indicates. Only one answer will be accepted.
8:36
